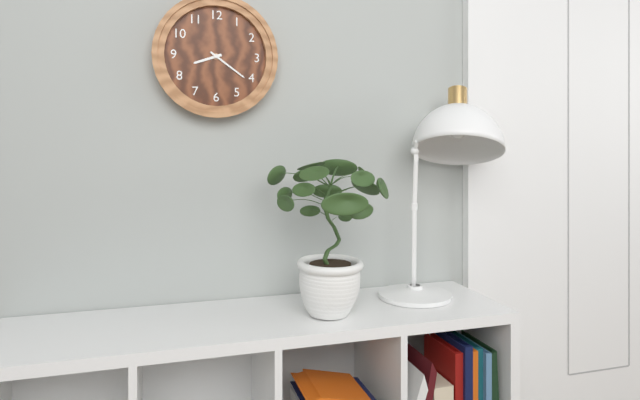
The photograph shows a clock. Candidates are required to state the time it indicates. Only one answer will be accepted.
8:21
